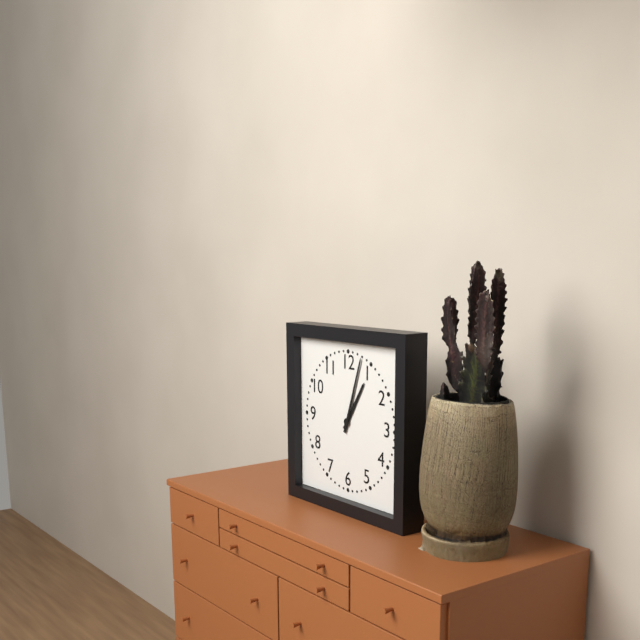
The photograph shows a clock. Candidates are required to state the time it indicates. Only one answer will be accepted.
1:03
